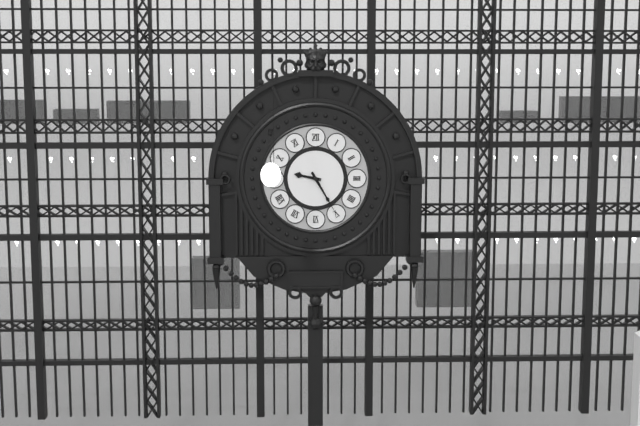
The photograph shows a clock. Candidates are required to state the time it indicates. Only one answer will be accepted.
9:25
